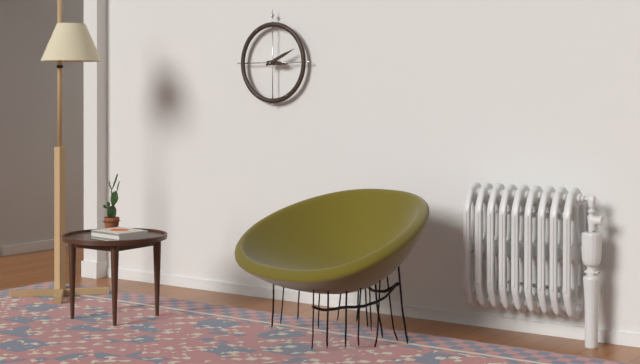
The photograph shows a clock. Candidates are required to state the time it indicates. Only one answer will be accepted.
3:11
